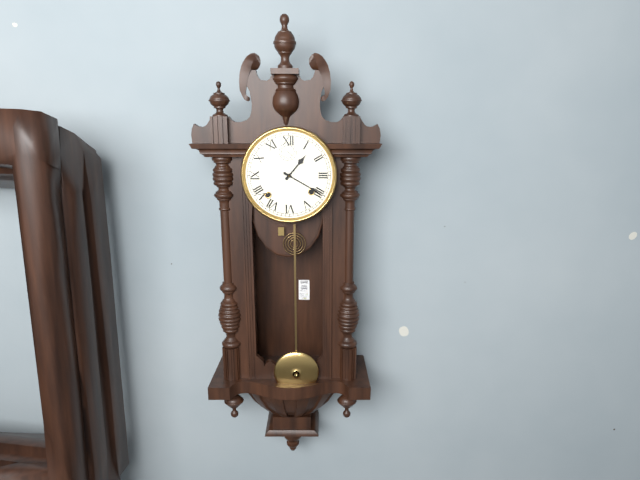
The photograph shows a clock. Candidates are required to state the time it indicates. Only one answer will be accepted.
1:20
